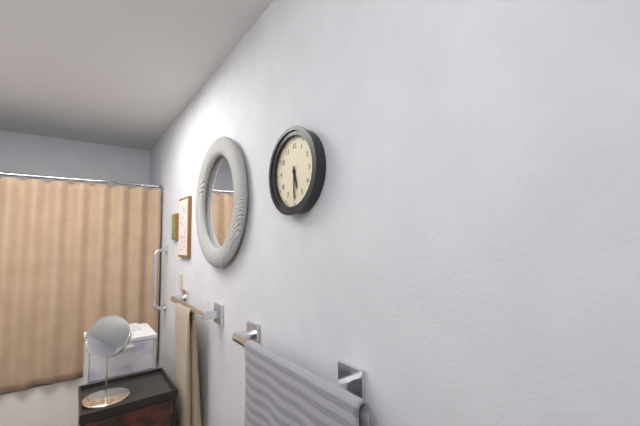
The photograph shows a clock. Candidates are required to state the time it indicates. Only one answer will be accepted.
5:30
